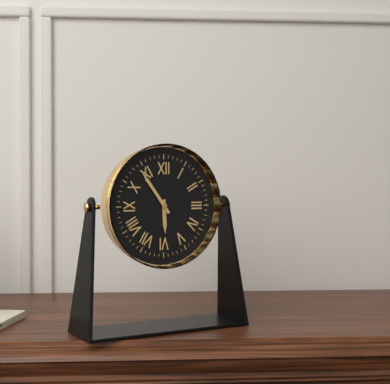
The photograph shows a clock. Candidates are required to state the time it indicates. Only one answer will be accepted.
5:54
